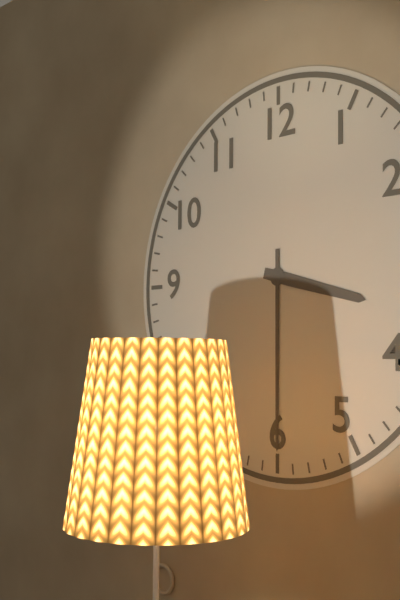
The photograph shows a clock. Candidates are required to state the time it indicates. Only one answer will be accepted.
3:30
